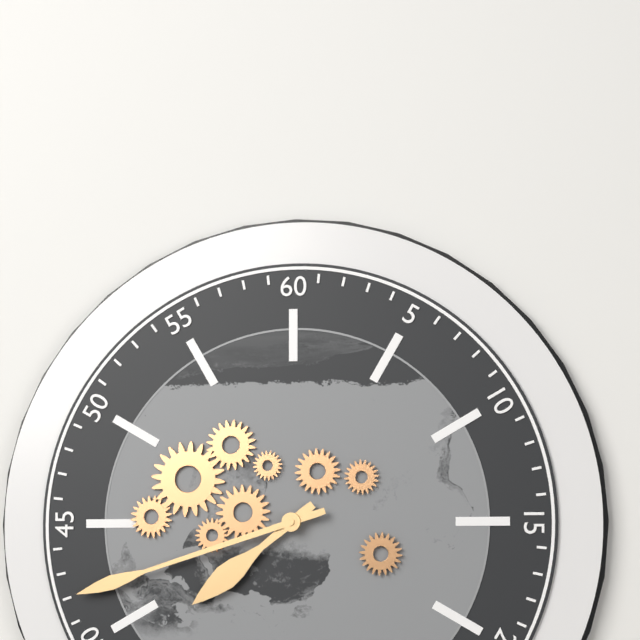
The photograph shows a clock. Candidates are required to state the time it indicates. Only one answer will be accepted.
7:42
